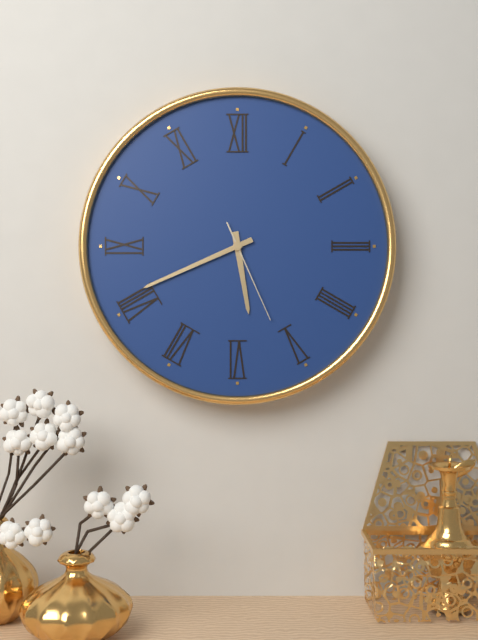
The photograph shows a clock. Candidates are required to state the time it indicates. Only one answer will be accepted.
5:41:26
